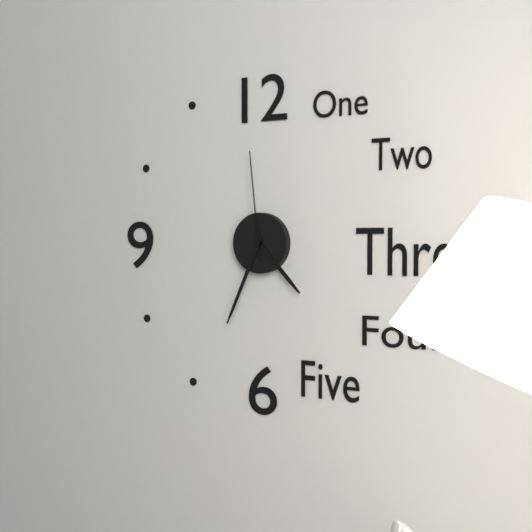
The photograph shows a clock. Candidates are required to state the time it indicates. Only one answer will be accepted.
4:34:59
